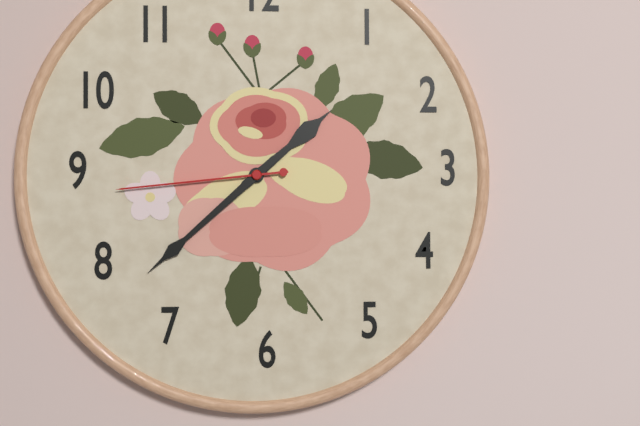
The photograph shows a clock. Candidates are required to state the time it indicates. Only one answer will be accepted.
1:38:44
